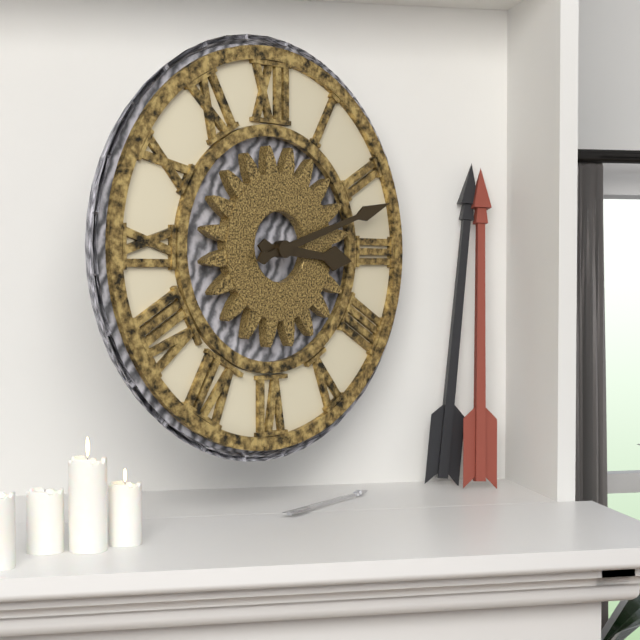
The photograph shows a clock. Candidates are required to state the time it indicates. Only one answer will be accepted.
3:12
